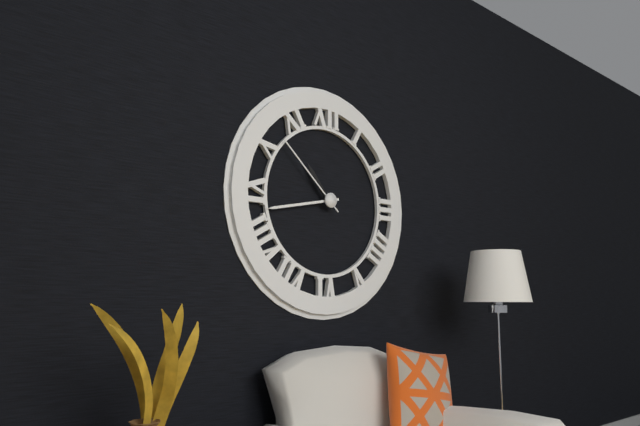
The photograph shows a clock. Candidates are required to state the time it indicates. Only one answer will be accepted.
10:43:52
